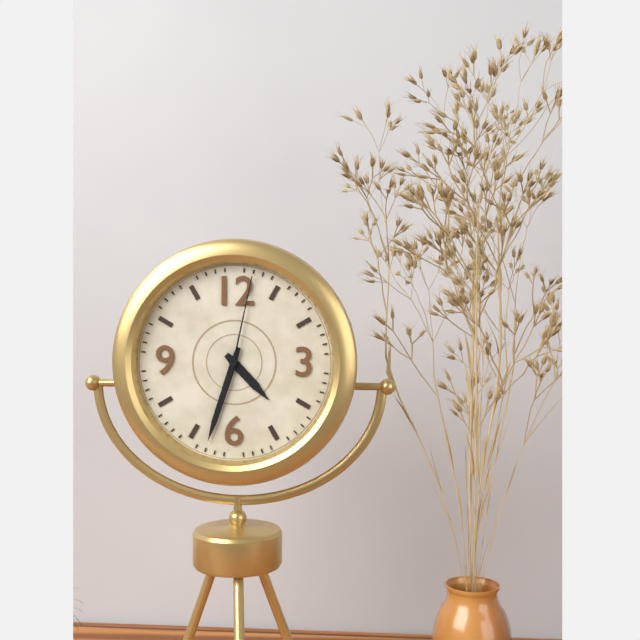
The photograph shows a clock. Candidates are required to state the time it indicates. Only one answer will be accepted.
4:33:02
